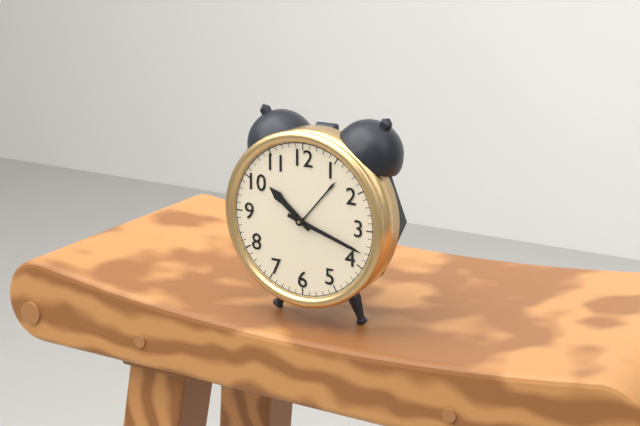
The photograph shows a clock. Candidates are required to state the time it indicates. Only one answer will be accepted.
10:18
